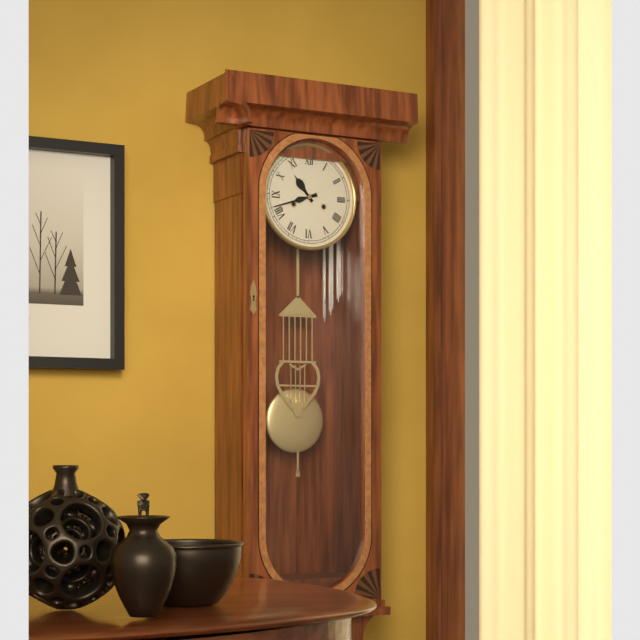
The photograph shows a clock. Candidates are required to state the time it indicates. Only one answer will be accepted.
10:42
